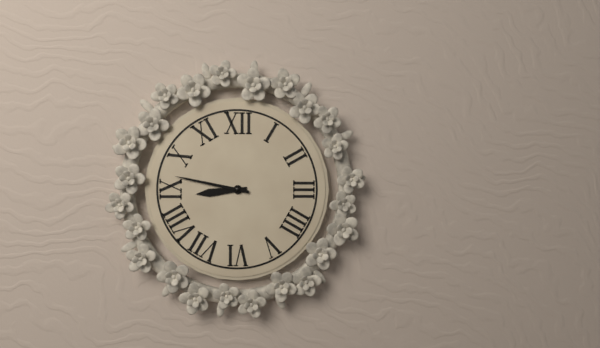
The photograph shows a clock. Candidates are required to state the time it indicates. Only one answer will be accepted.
8:47
